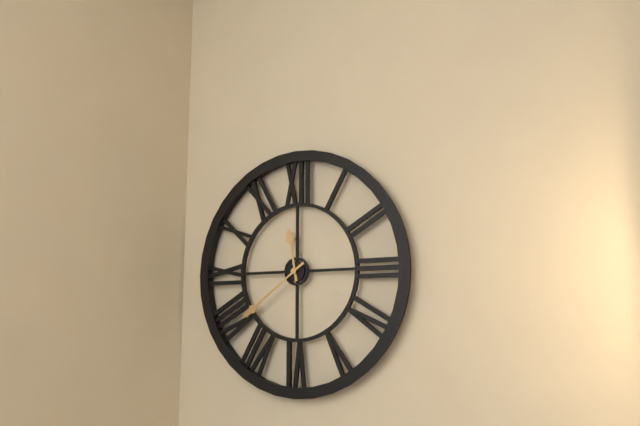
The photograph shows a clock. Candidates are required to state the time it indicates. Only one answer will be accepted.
11:39
